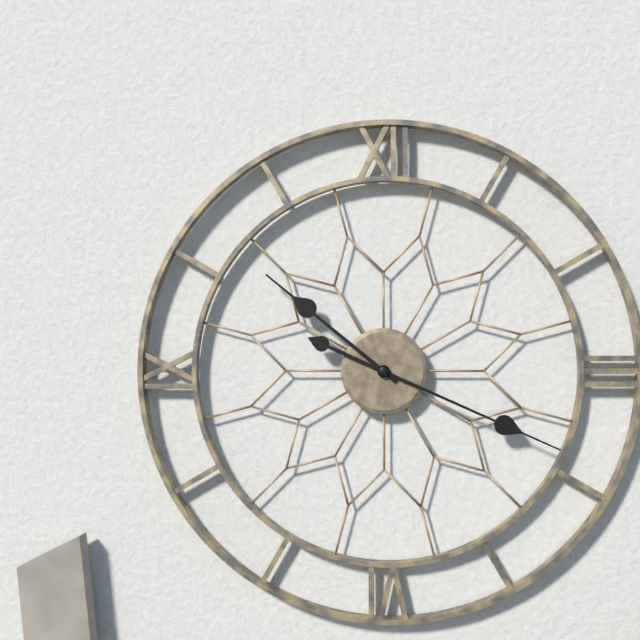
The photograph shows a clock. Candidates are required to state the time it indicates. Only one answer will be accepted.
10:19
